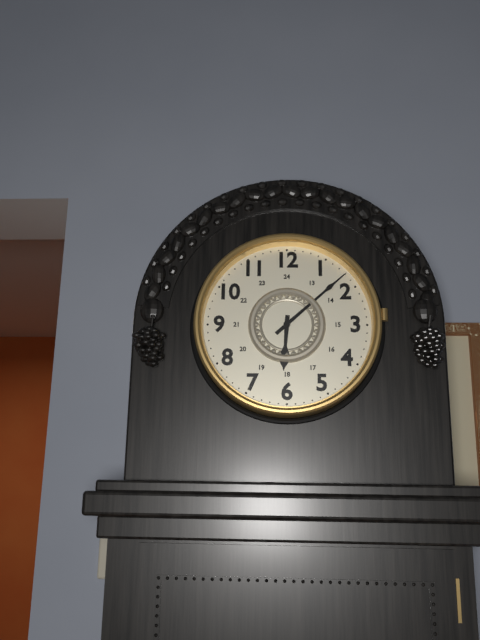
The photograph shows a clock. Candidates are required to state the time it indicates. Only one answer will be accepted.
6:08
